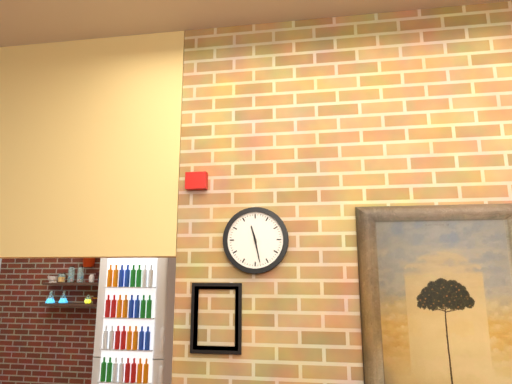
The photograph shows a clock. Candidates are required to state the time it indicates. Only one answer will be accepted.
11:28
